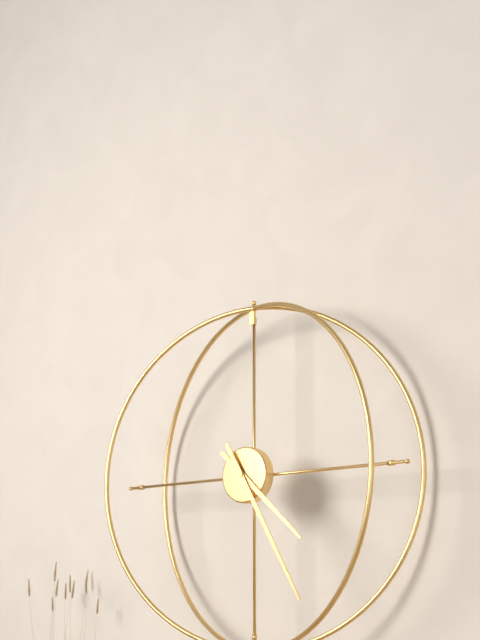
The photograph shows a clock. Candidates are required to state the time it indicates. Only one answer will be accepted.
4:25
